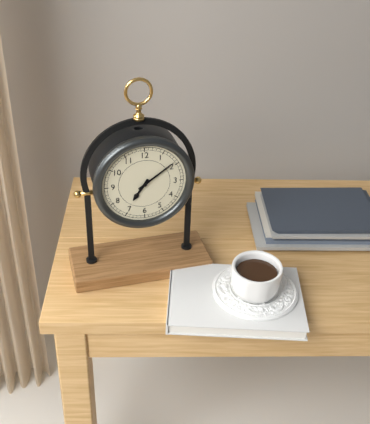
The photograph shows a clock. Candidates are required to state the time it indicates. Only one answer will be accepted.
7:09
